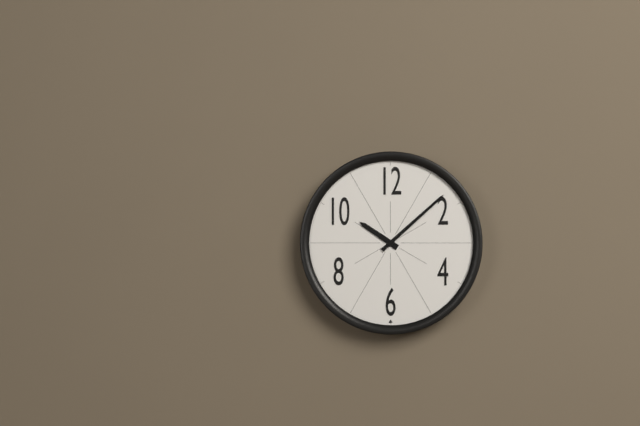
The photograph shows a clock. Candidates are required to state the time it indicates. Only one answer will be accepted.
10:08
